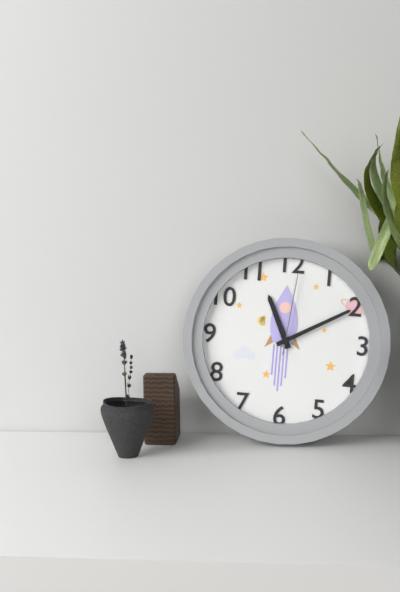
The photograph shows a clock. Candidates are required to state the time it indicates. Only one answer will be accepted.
11:10:01
